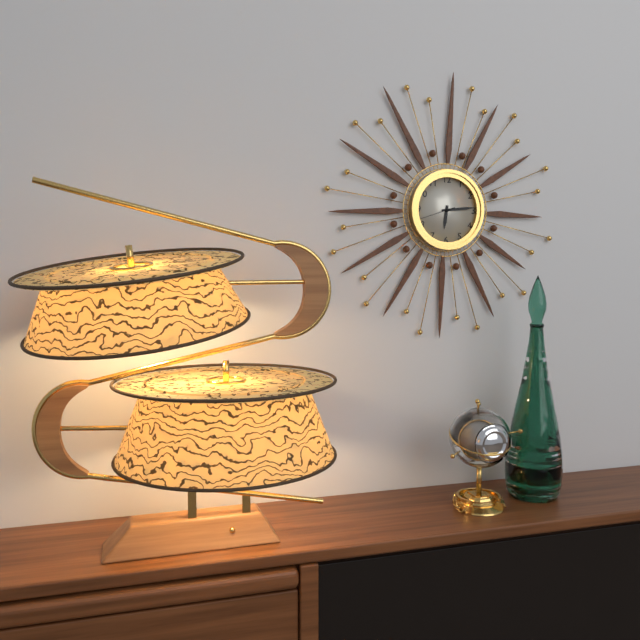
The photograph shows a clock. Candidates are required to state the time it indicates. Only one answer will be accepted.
6:14
